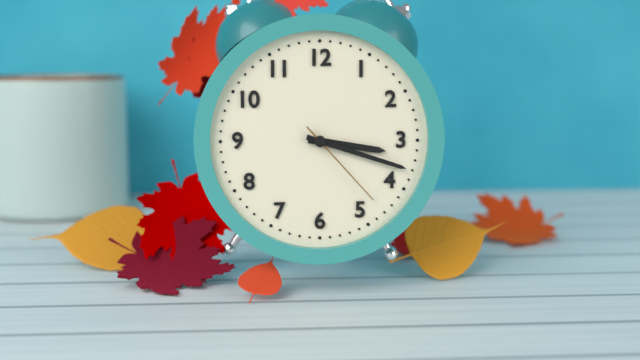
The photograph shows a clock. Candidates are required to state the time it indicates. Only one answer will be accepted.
3:18:23
